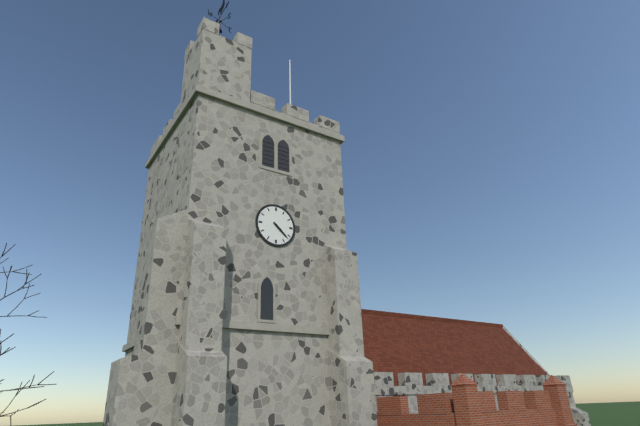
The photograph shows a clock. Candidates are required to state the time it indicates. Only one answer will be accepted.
4:22
